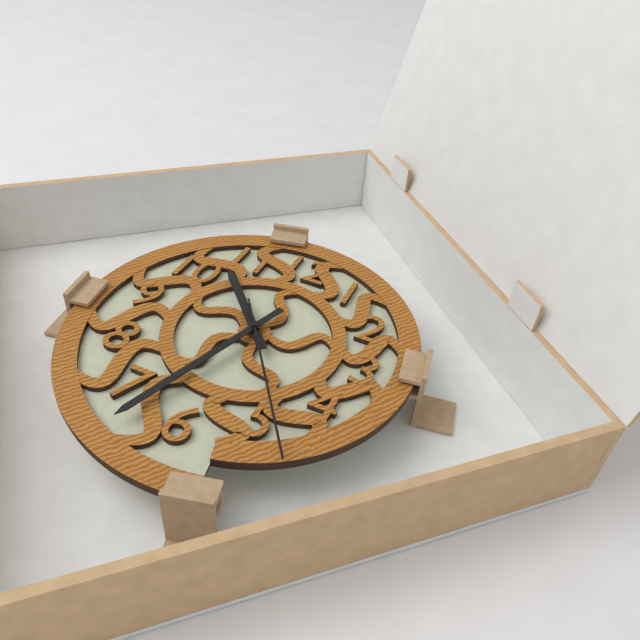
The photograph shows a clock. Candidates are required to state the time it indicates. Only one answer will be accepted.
10:33:24
